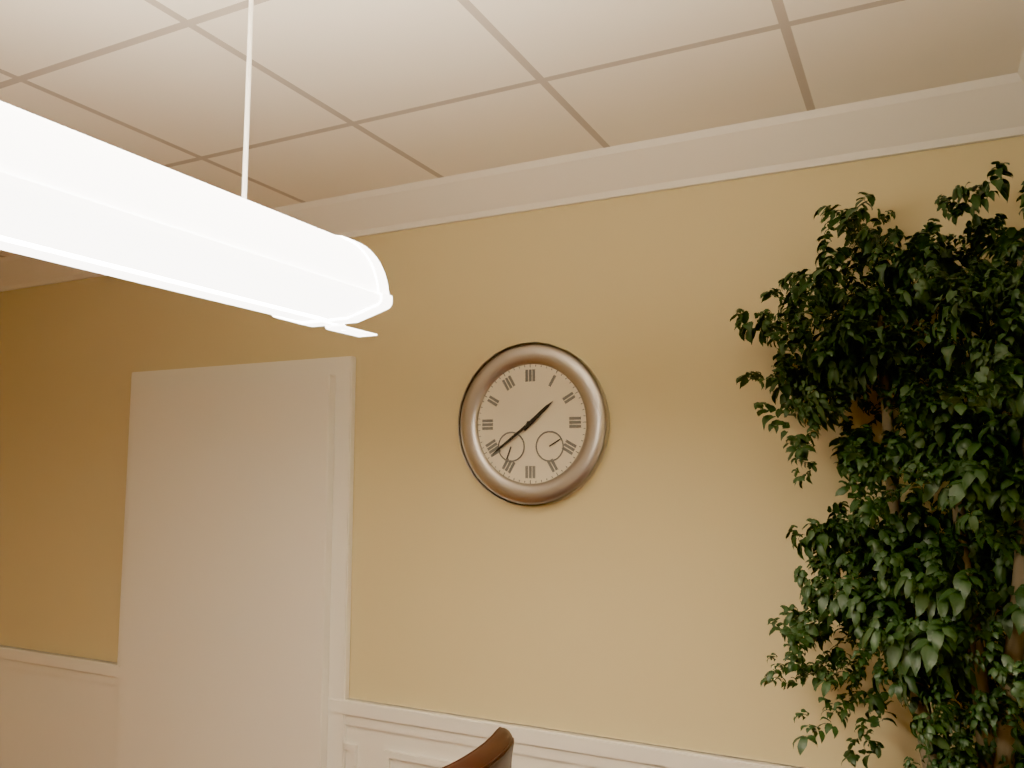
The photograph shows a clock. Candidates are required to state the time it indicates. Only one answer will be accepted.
1:39
